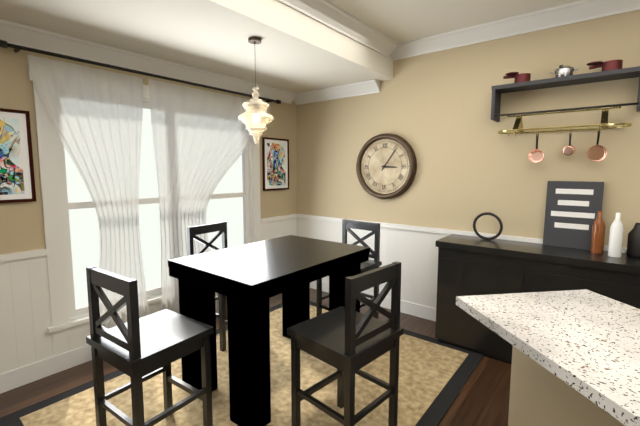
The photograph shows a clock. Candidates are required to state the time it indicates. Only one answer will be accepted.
3:06
